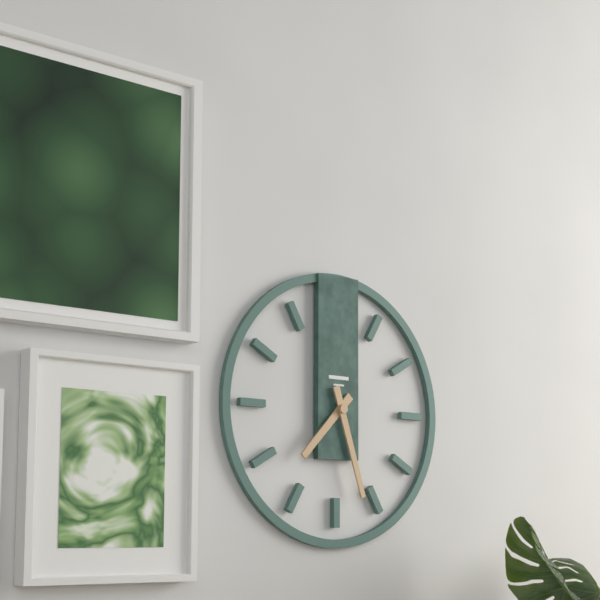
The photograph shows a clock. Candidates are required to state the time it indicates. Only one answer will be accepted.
7:27
